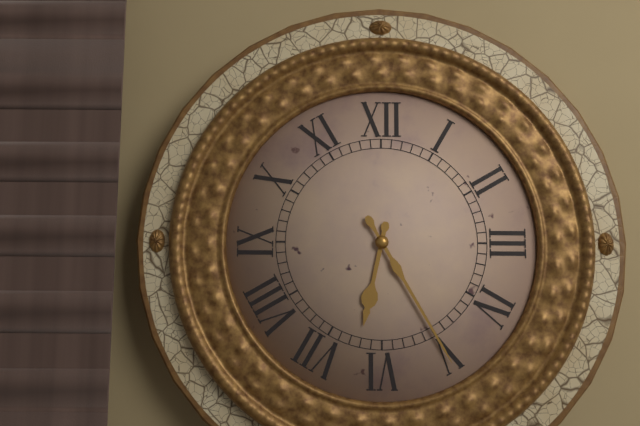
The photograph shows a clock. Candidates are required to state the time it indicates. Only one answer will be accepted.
6:25
